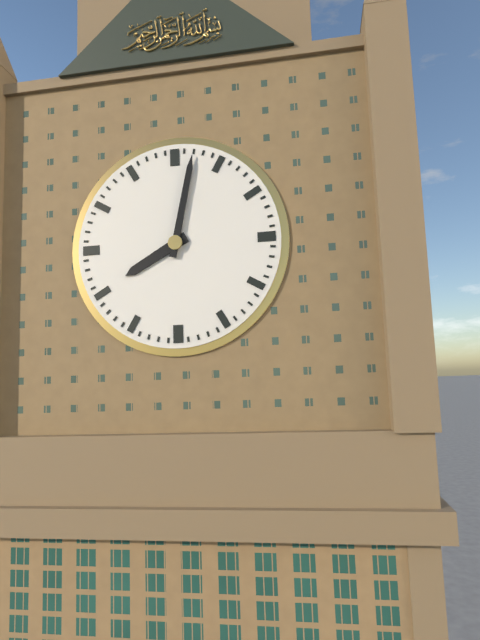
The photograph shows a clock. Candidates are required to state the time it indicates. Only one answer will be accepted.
8:02
